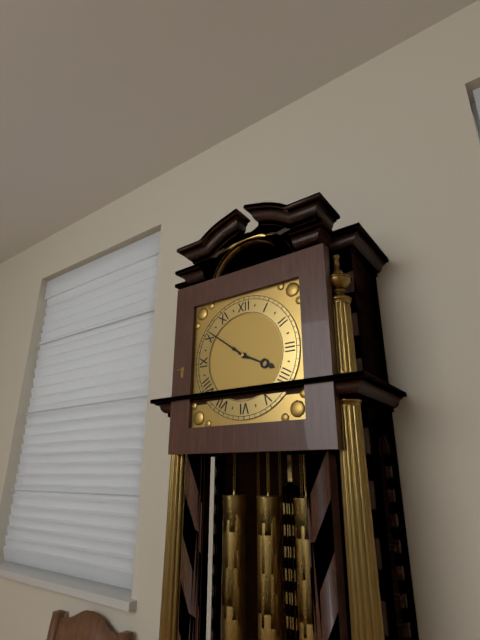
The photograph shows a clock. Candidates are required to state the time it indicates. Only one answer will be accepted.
3:51
